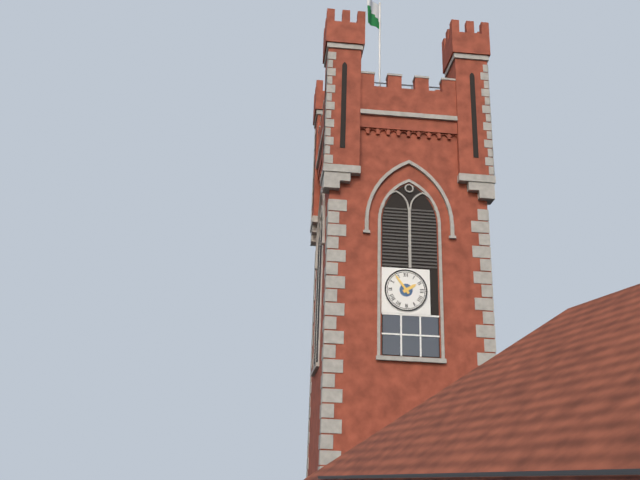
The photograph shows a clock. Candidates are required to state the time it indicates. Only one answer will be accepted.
1:54
